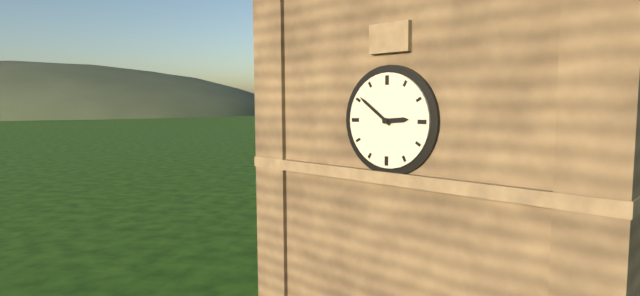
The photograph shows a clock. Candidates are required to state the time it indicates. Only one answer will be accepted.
2:51
